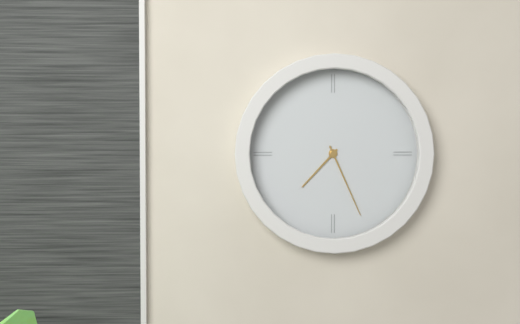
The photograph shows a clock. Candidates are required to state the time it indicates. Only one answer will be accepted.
7:26
